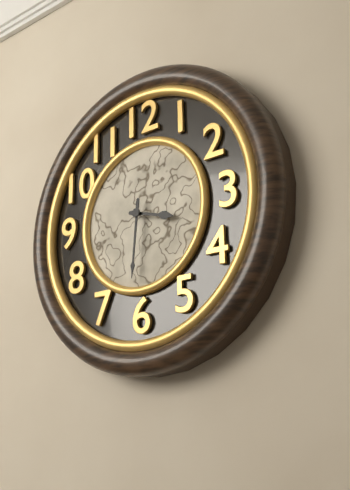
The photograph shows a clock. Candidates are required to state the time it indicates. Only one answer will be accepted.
3:31
